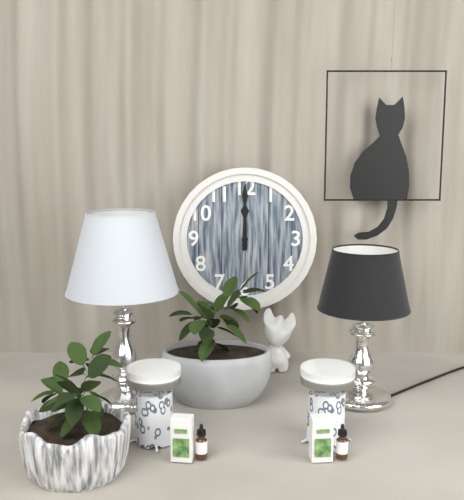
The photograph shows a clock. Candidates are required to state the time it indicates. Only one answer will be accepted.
12:00
